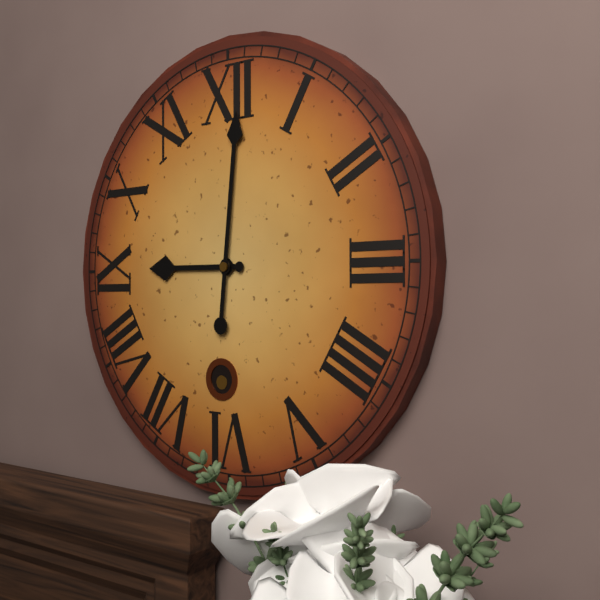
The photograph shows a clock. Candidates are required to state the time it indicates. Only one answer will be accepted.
9:01
